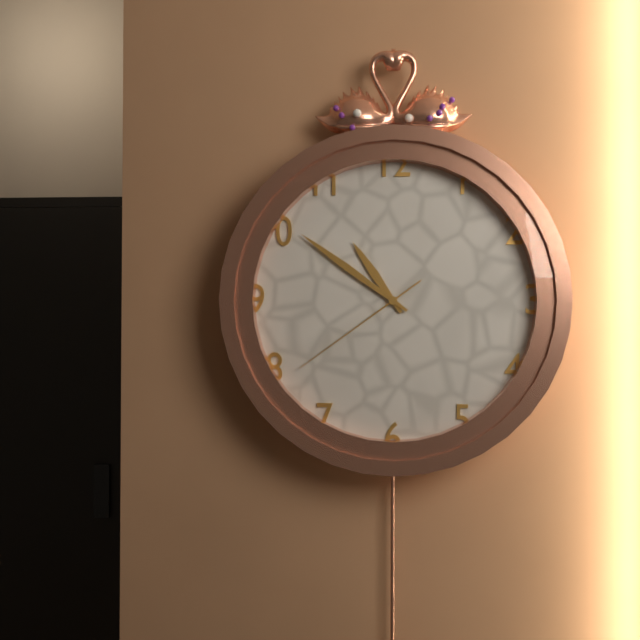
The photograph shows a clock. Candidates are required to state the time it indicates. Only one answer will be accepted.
10:51:39
